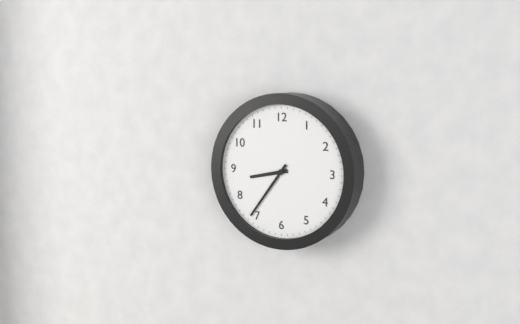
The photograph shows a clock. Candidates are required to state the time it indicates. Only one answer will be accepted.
8:36
